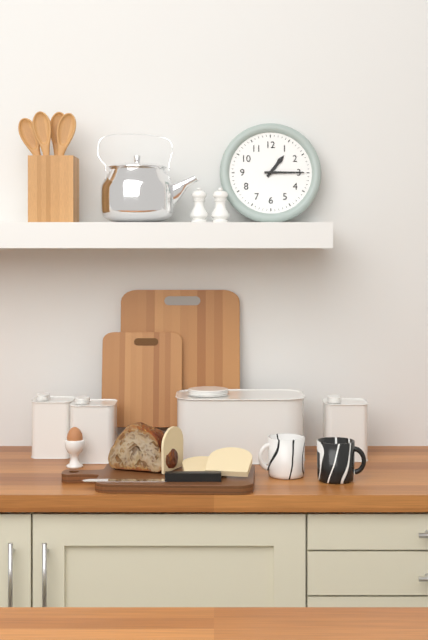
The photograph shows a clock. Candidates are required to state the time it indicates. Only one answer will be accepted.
1:15
